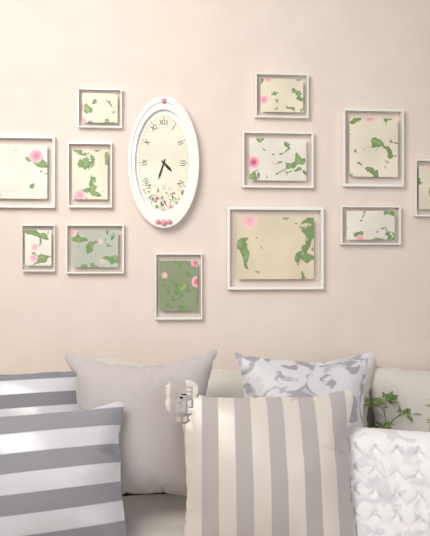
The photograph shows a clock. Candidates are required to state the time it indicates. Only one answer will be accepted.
4:33
